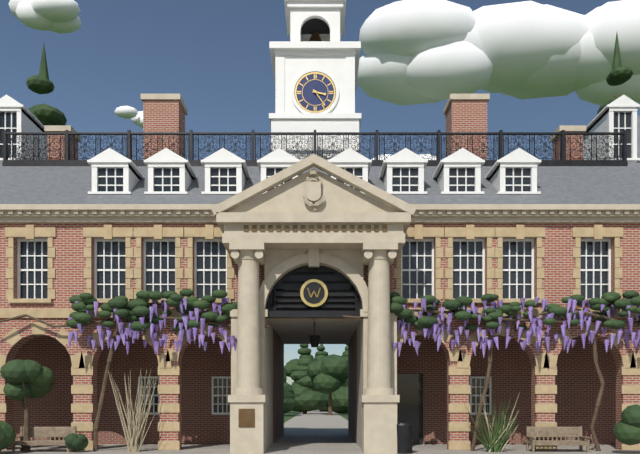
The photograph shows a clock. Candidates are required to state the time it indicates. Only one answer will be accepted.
3:24
